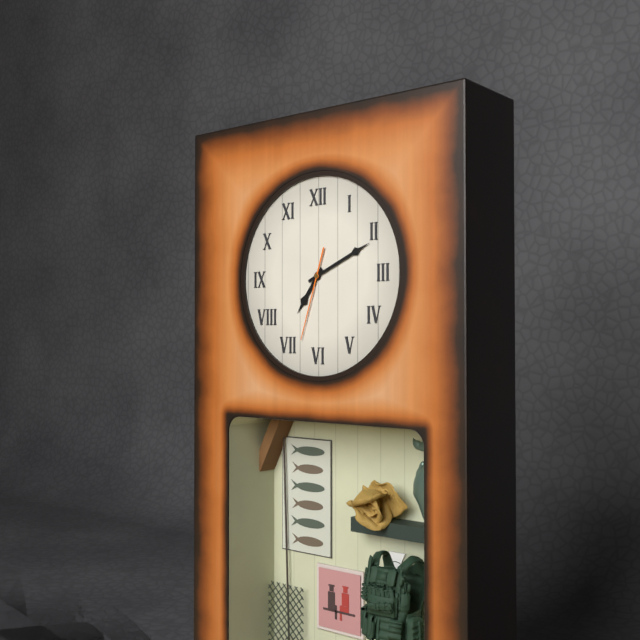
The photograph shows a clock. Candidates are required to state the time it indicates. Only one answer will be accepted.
7:11:33
